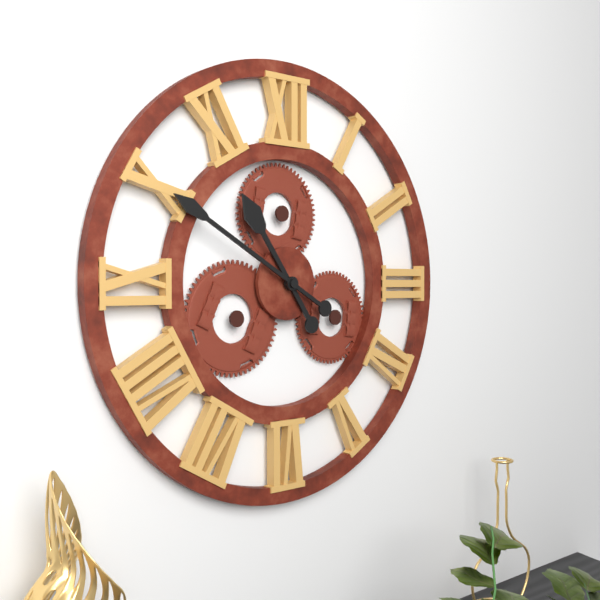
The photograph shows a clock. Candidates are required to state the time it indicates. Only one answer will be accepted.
10:50
